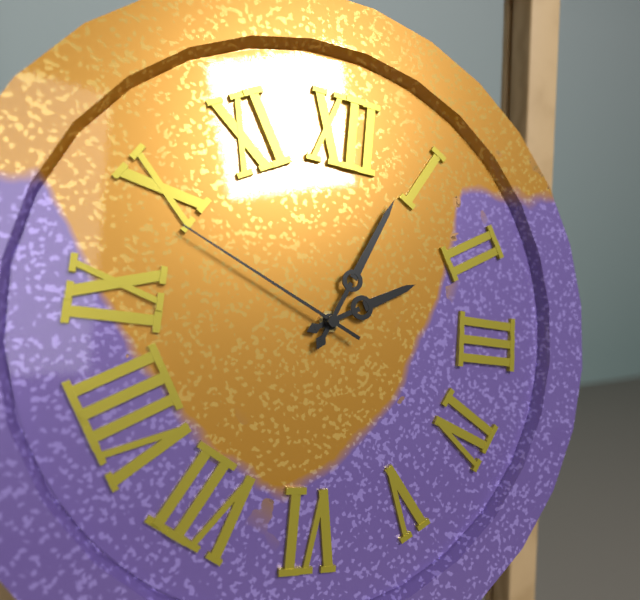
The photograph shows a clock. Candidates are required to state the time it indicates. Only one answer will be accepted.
2:04:49
